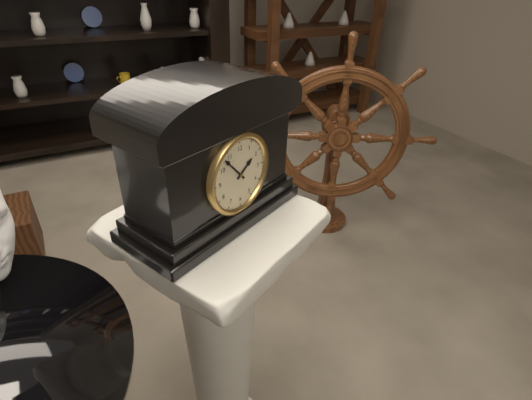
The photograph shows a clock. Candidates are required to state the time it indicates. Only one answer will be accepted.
1:53
